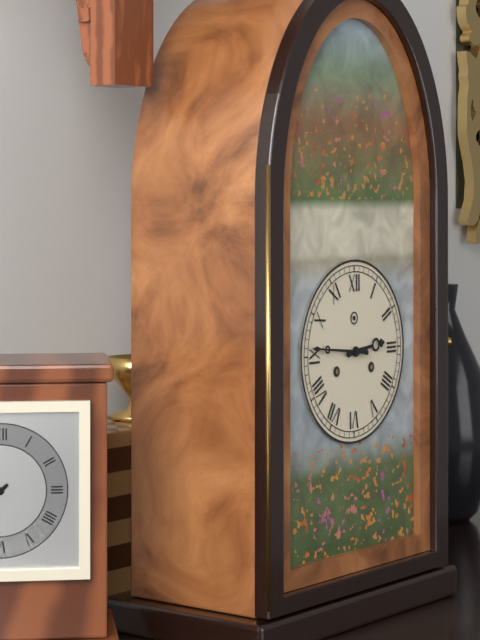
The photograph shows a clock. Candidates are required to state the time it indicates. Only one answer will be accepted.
2:46
